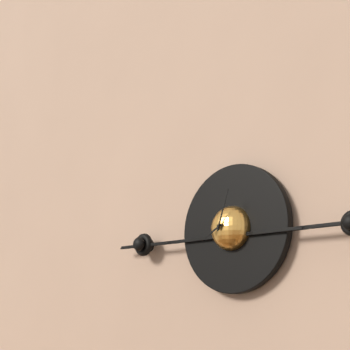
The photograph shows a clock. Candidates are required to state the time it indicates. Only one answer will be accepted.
8:03
